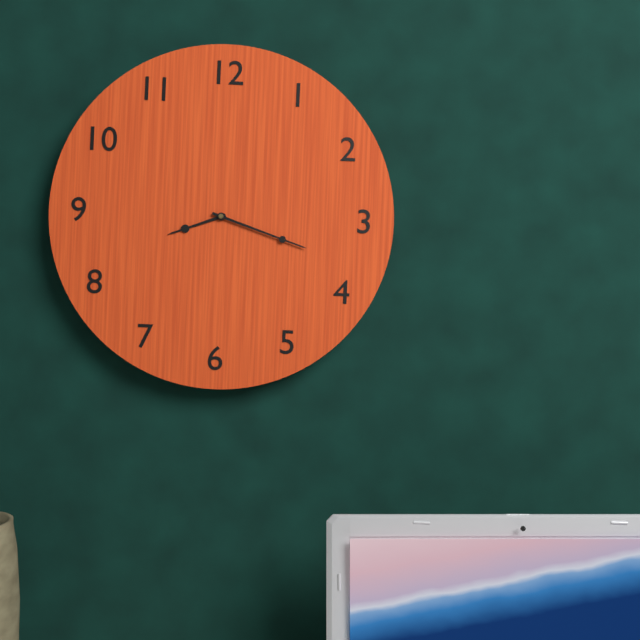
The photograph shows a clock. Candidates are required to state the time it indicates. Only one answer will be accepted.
8:18
